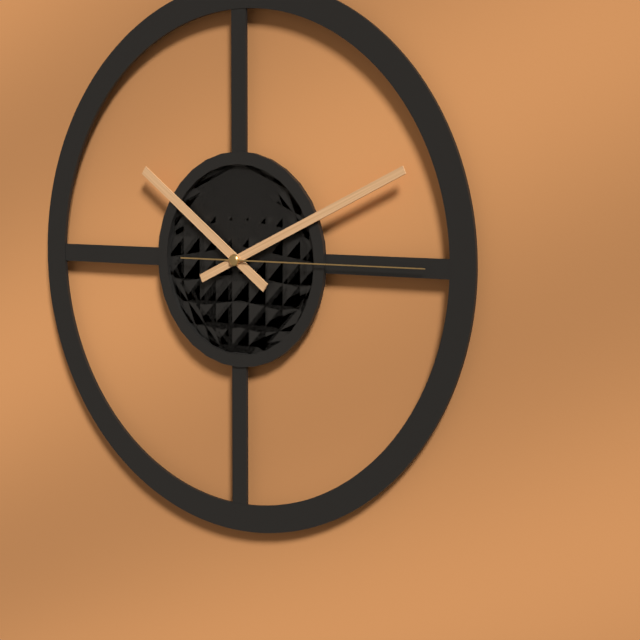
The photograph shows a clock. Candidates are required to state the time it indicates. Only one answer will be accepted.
10:11:15
